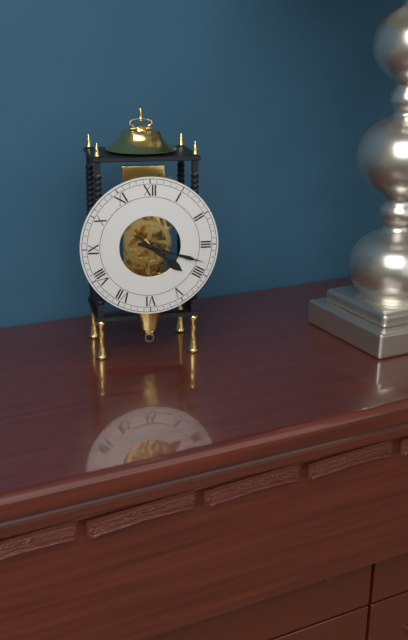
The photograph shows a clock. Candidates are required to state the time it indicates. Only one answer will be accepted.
4:18
